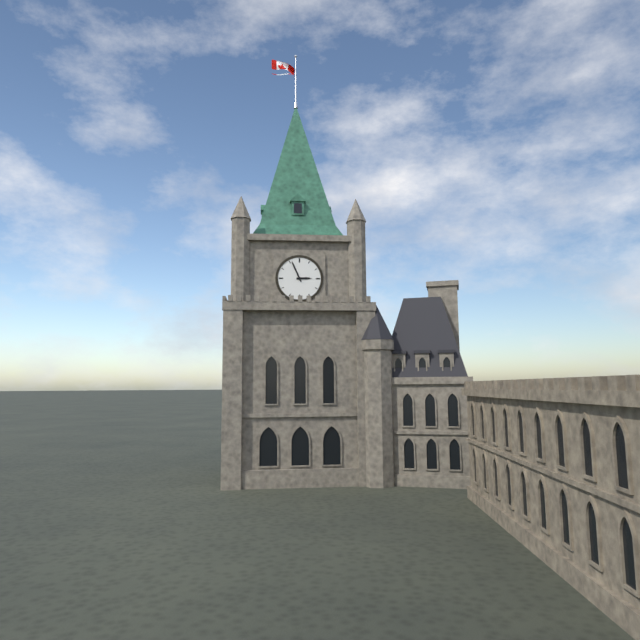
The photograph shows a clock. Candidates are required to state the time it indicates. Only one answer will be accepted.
2:56
